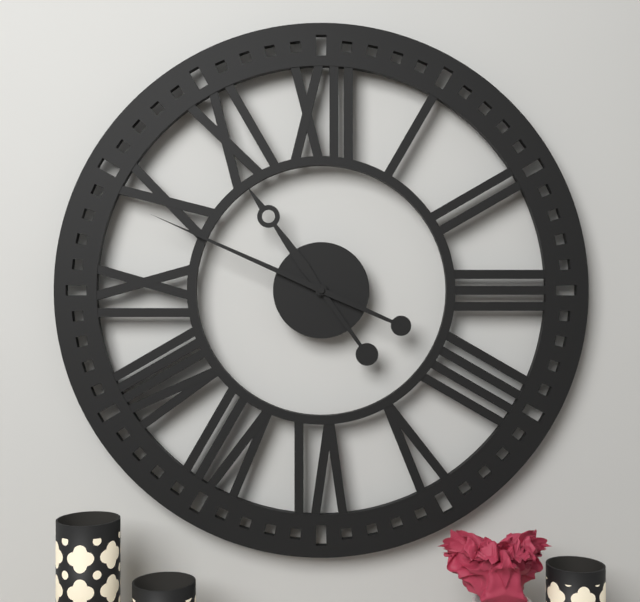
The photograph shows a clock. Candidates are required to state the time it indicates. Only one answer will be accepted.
10:49
